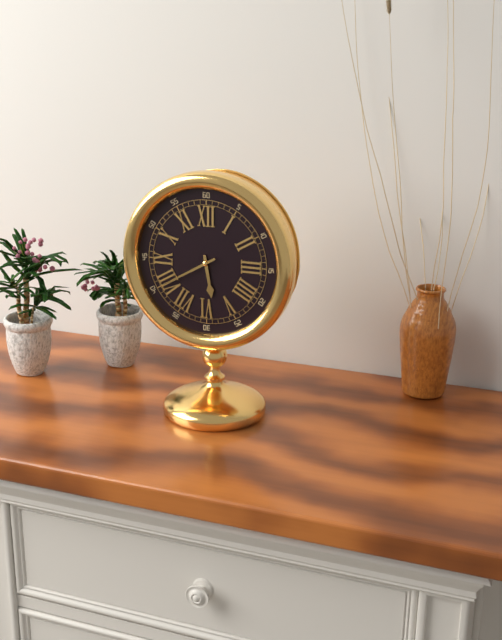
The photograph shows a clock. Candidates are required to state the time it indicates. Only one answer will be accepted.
5:40
